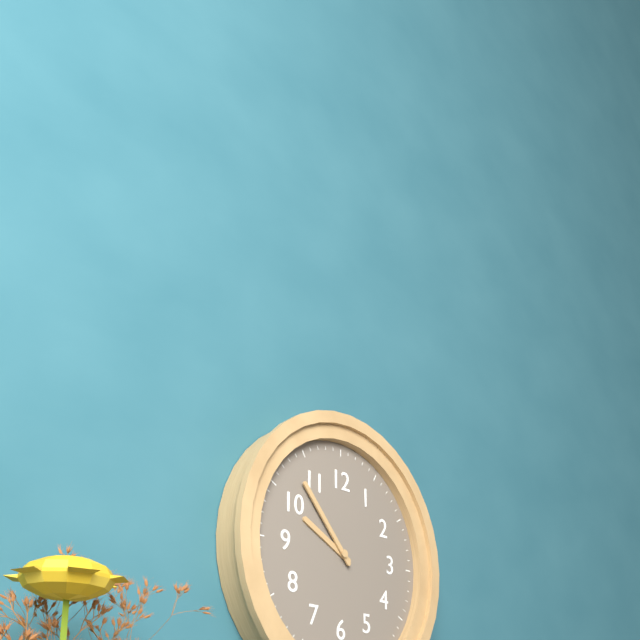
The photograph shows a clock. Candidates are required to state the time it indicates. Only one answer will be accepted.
9:53
